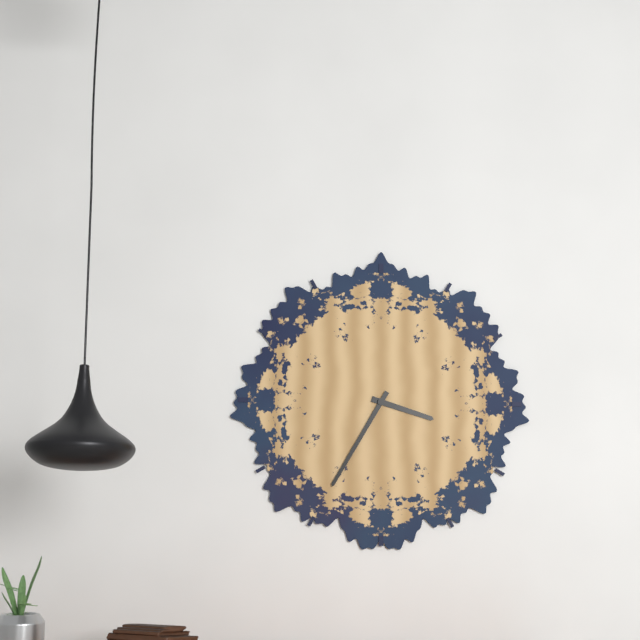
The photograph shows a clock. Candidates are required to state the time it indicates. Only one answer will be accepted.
3:35
